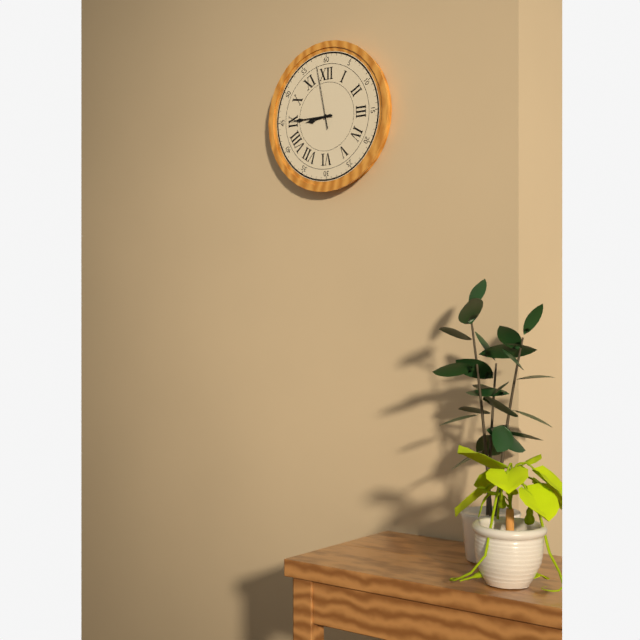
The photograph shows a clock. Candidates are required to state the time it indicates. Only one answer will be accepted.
8:45:58
